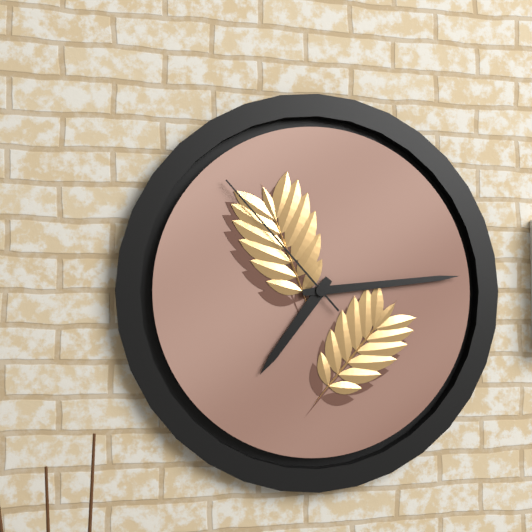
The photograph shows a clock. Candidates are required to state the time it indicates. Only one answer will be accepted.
7:14:53
